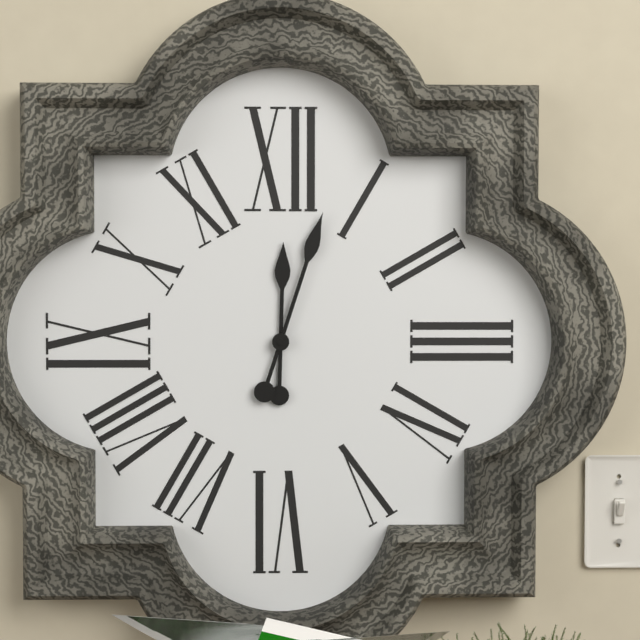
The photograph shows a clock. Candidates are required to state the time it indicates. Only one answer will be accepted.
12:03
